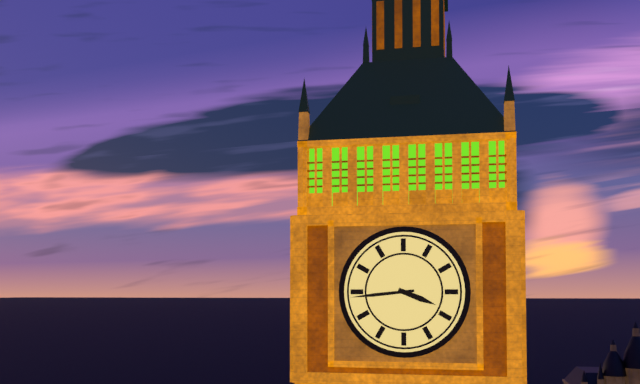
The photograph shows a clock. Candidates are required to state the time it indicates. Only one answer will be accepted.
3:44
